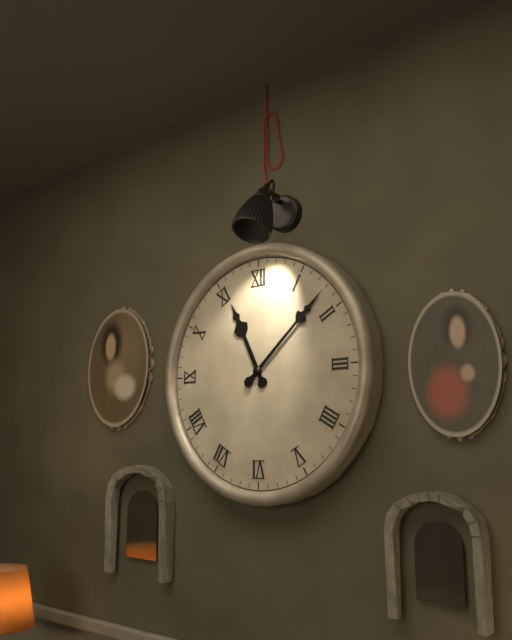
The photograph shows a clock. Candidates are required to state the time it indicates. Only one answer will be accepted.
11:08
